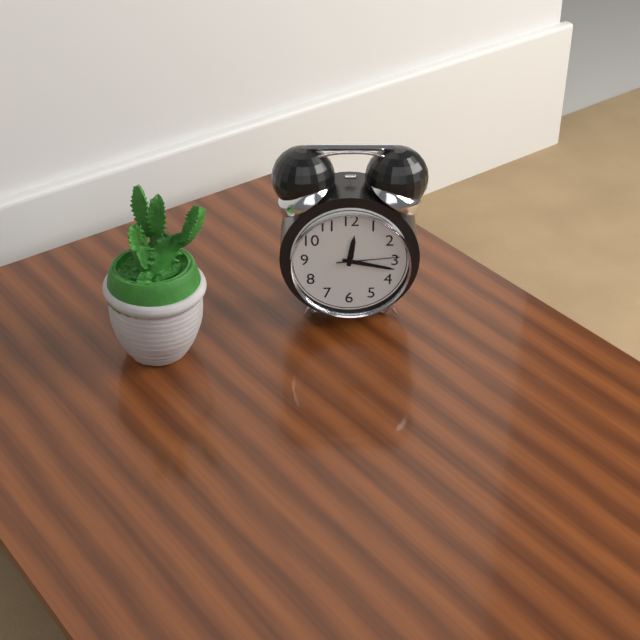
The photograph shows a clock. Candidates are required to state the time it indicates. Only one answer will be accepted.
12:17:14
